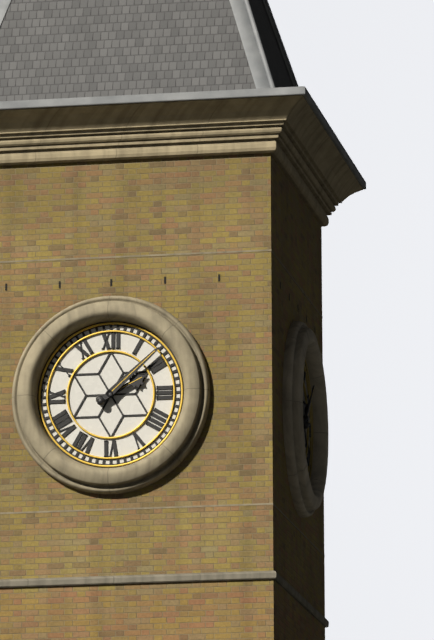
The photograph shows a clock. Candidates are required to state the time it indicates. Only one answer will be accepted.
2:08
